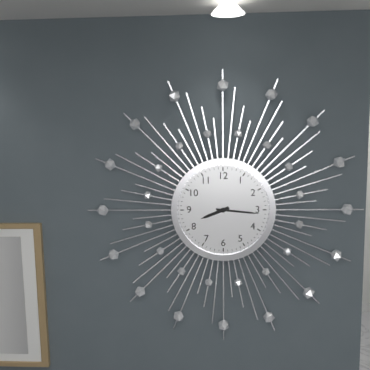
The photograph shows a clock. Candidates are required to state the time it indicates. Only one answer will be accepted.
8:16
